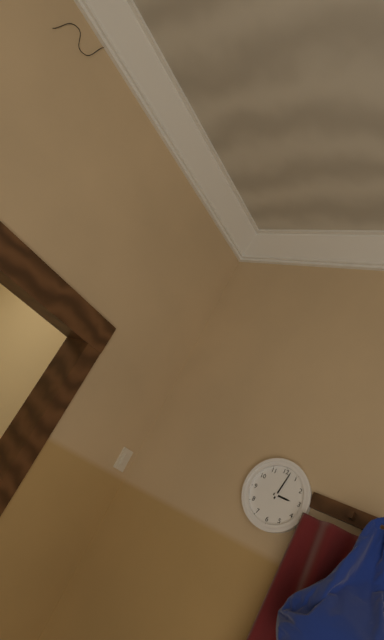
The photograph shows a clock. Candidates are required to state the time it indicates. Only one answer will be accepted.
3:02
